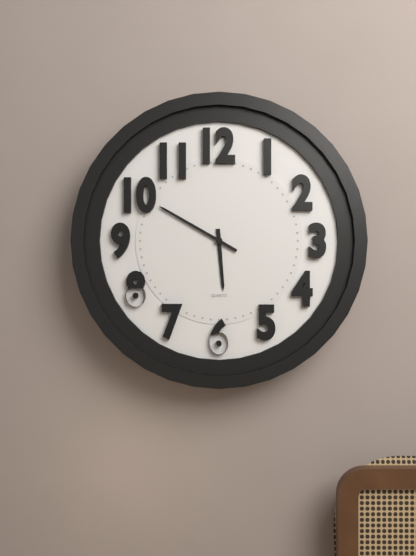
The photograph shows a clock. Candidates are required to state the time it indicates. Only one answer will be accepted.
5:50
